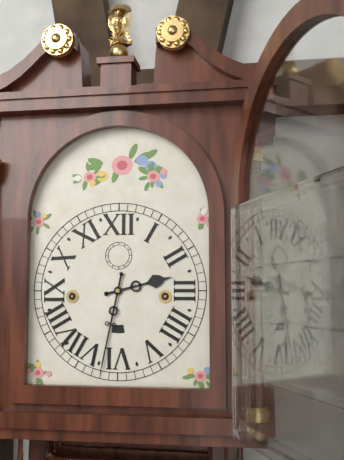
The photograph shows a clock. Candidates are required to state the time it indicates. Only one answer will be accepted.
2:32
